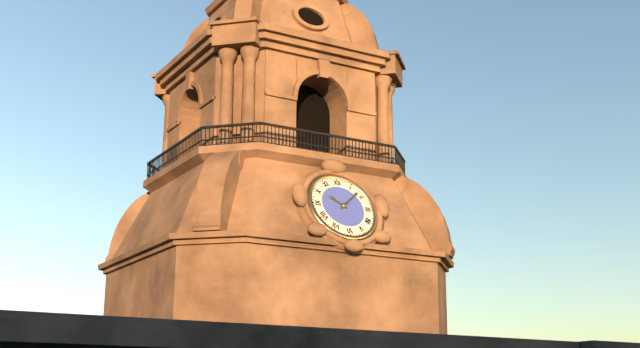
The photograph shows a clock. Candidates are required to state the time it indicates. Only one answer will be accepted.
10:08
